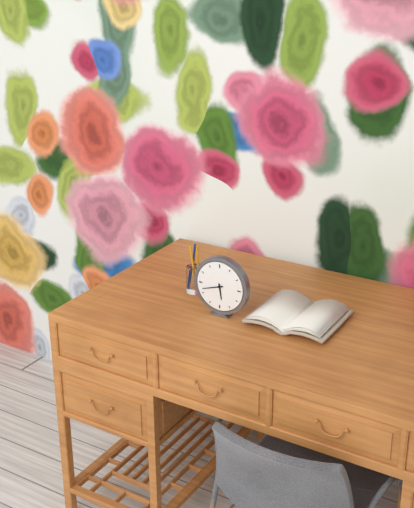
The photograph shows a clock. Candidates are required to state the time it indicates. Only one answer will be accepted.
5:42
